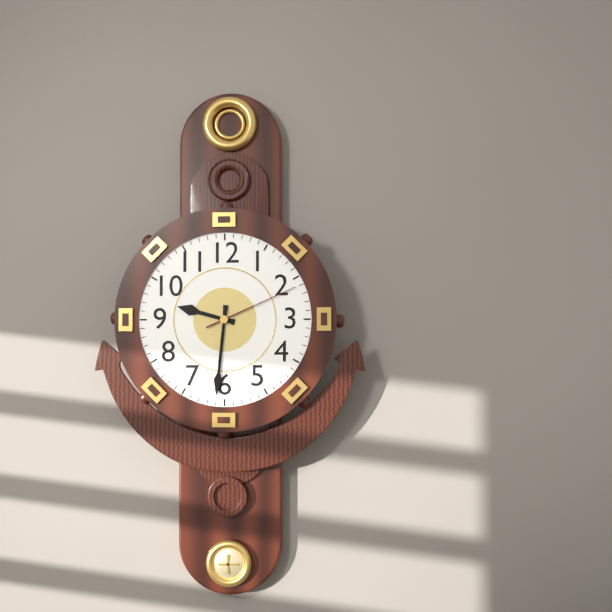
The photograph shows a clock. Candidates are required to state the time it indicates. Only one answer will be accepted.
9:31:11
